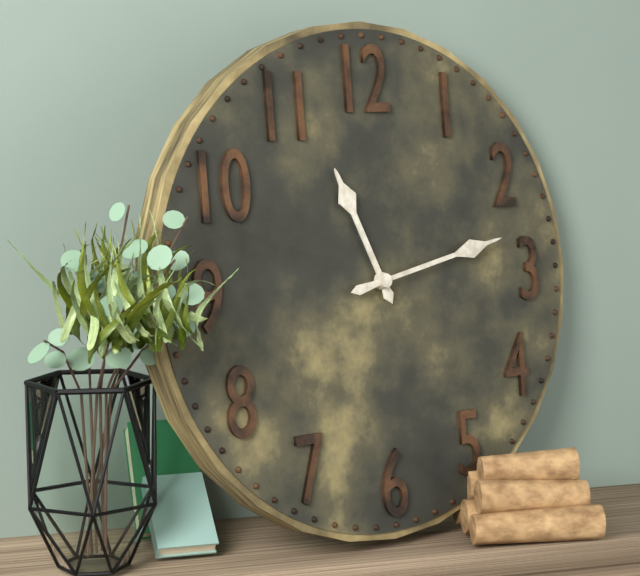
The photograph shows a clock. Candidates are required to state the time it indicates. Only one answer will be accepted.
11:13
